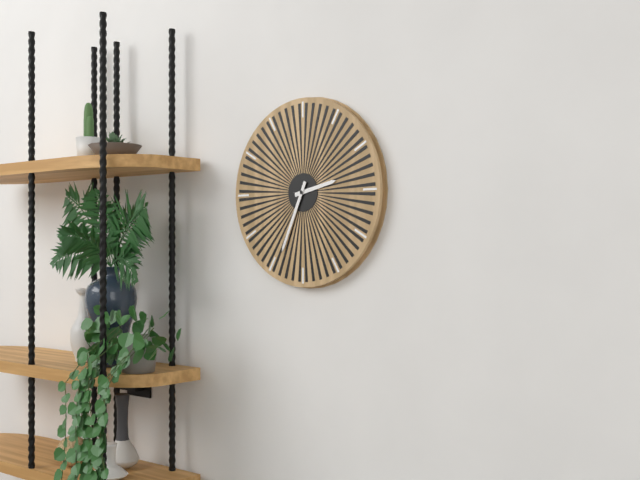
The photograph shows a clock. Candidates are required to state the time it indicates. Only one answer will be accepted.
2:34
